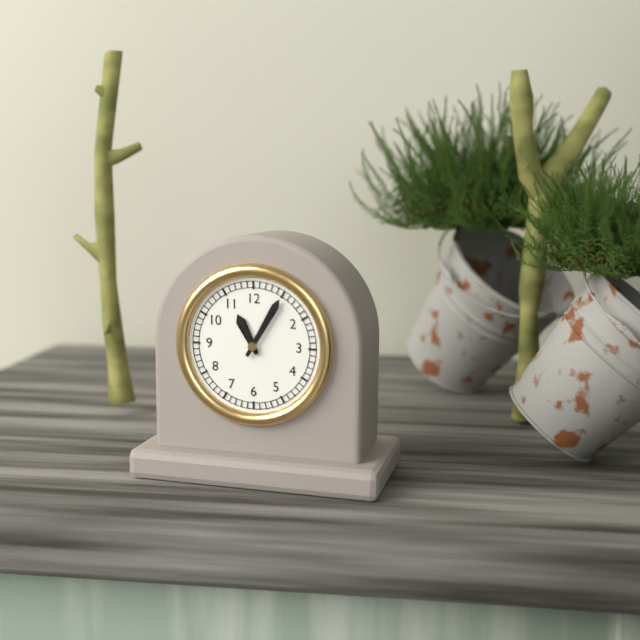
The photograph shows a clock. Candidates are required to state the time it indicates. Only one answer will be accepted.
11:05
